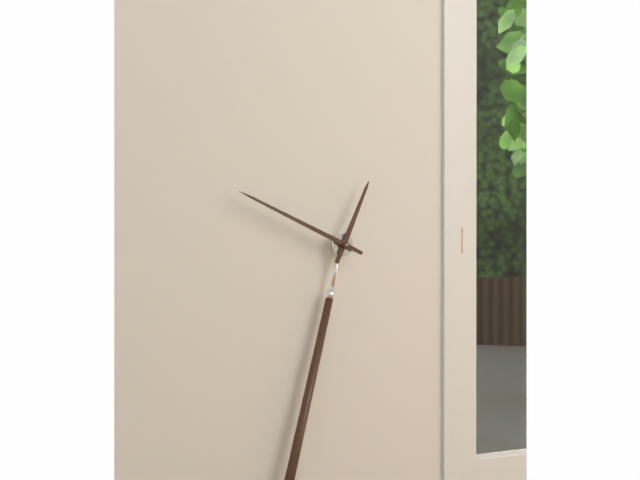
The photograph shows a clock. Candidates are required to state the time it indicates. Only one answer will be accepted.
12:49
